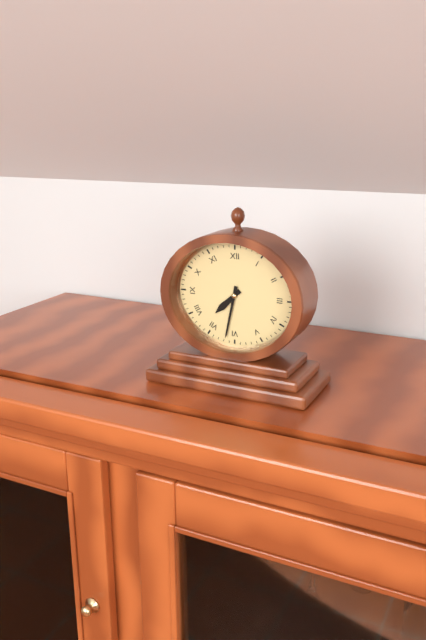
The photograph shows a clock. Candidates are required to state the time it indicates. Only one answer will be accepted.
7:32
